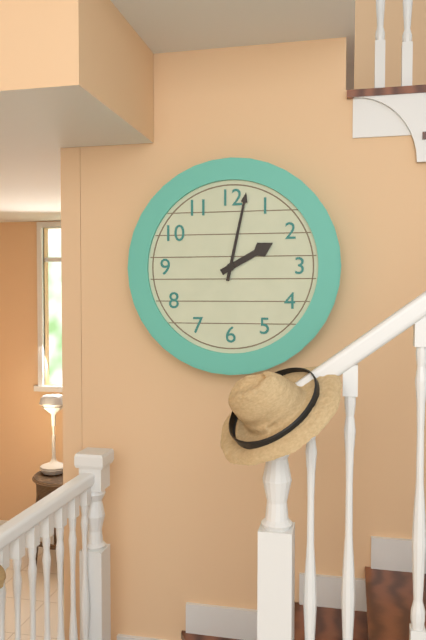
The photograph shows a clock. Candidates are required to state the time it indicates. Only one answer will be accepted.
2:02
